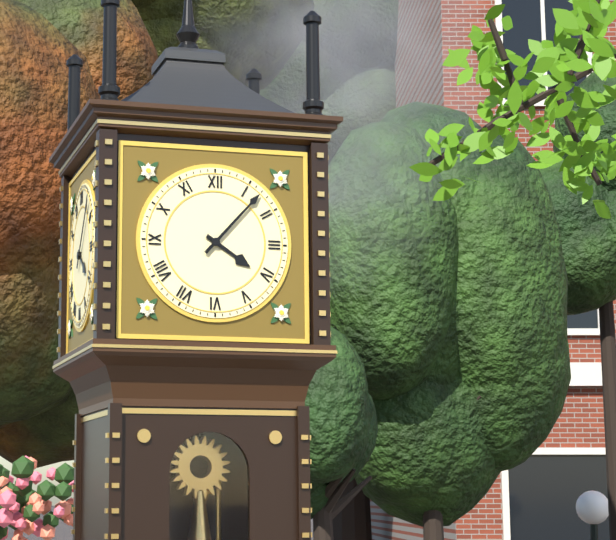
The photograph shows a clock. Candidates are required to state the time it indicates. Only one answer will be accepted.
4:07
